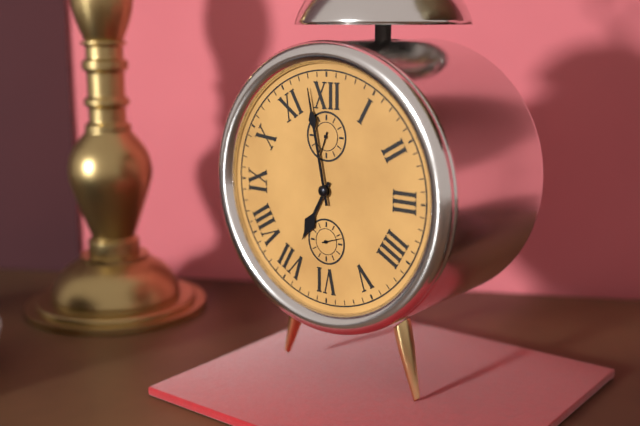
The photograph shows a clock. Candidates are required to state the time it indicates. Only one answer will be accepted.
6:58
